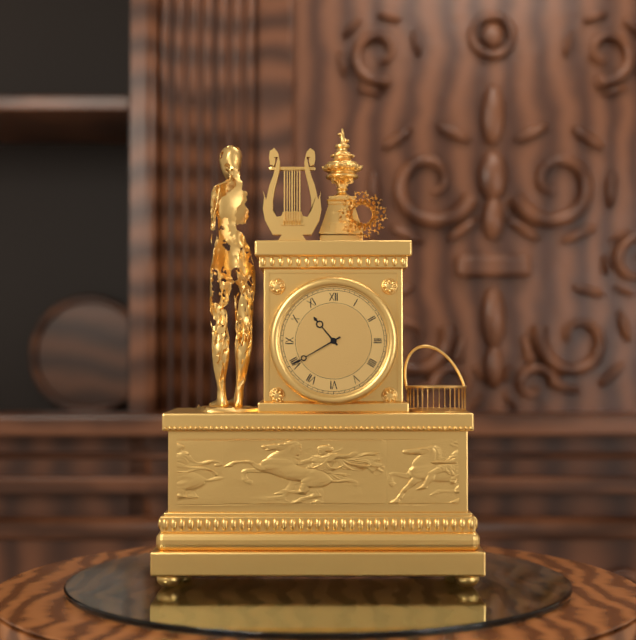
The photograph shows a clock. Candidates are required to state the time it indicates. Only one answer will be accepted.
10:40
